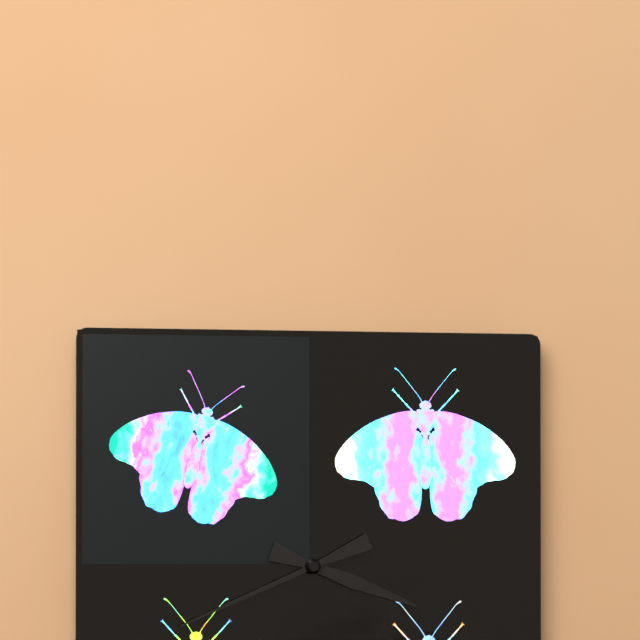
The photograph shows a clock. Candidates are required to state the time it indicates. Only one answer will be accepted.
3:41
